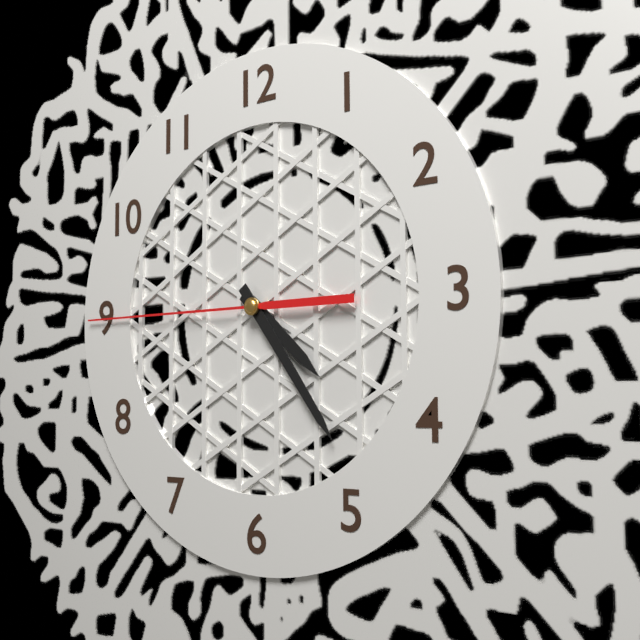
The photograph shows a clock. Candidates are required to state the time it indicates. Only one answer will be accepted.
4:24:45
